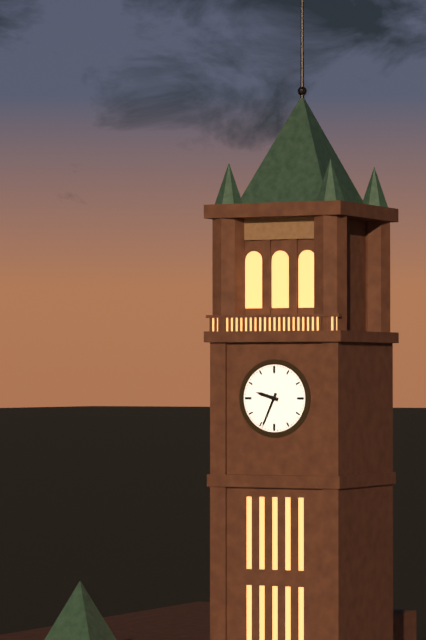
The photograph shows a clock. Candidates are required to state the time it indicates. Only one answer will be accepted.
9:34
